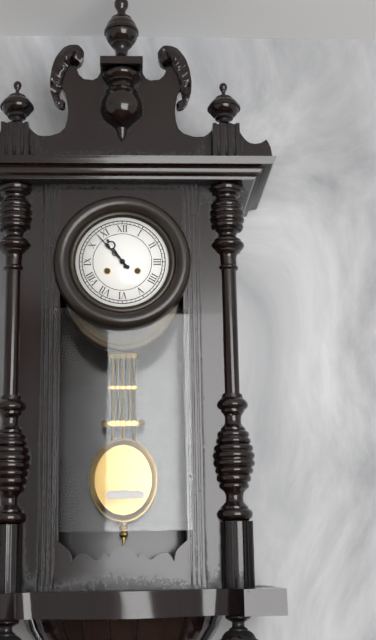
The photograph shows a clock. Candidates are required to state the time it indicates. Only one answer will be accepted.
10:53
